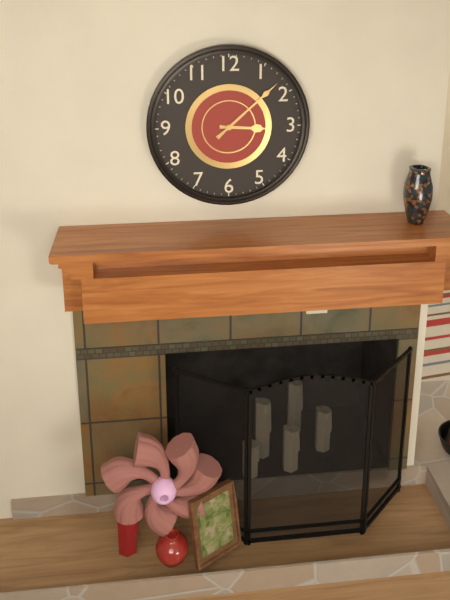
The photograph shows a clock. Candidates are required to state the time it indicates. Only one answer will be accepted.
3:08
